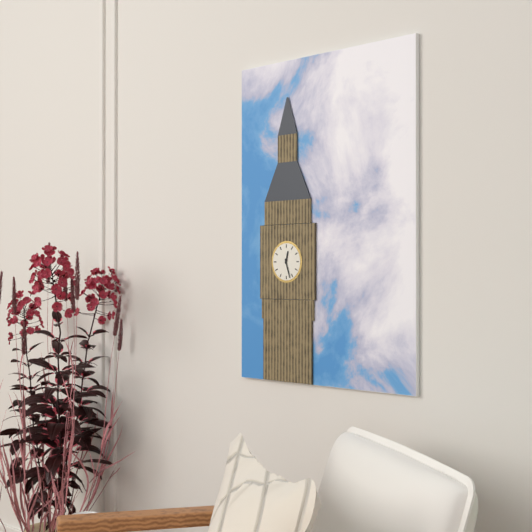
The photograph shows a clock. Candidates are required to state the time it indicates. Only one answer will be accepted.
12:27
